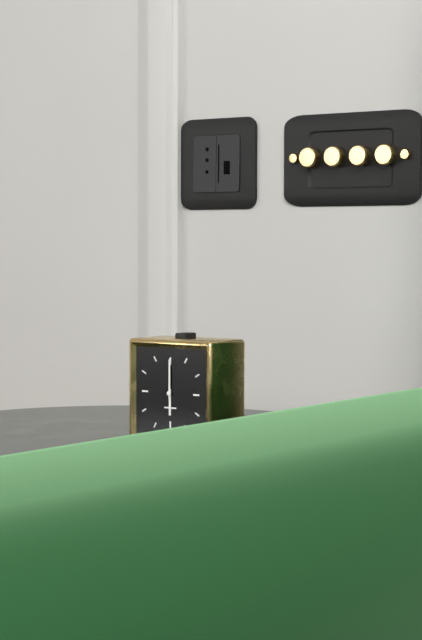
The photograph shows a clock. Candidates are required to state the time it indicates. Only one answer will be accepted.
6:00
